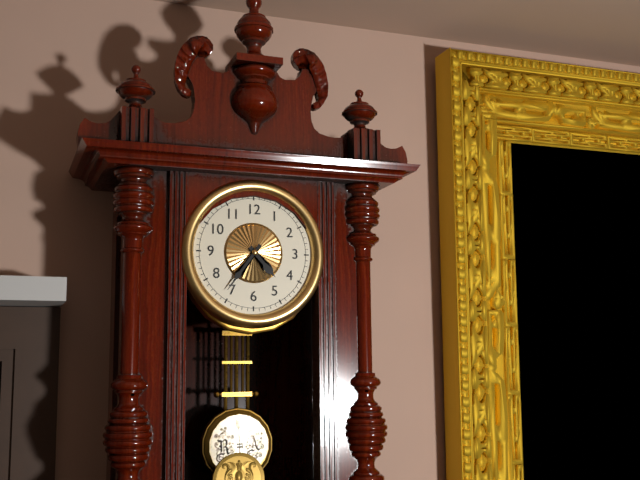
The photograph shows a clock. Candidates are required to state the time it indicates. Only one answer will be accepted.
4:36
